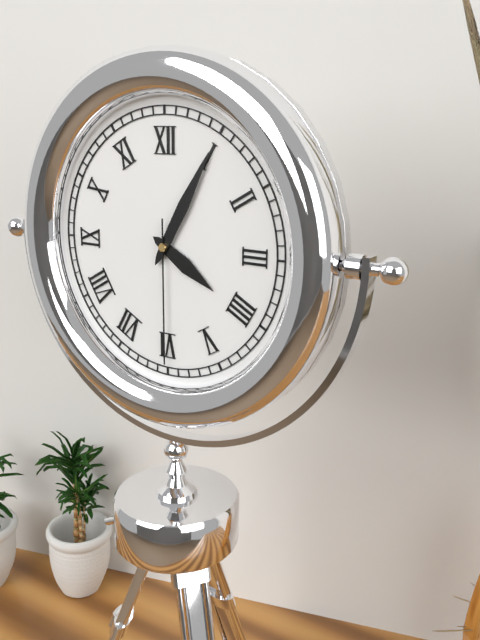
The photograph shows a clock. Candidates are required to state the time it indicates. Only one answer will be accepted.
4:05:30
